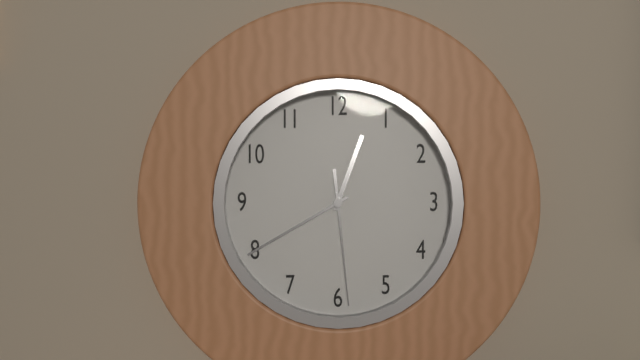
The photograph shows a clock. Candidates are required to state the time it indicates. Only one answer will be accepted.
12:40:29
